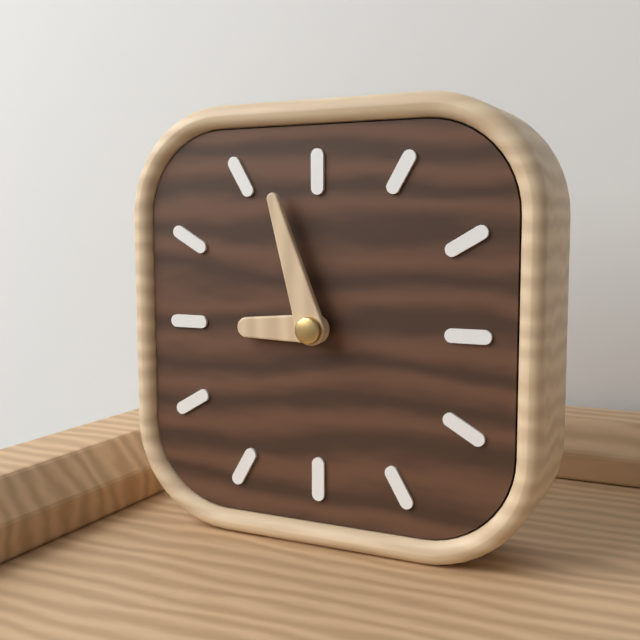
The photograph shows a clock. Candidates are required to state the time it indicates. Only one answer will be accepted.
8:57
